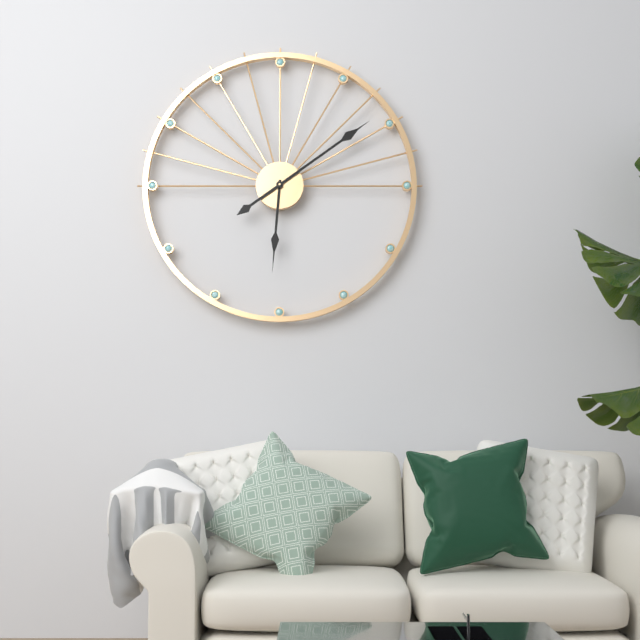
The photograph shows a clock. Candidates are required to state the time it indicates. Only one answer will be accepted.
6:09
